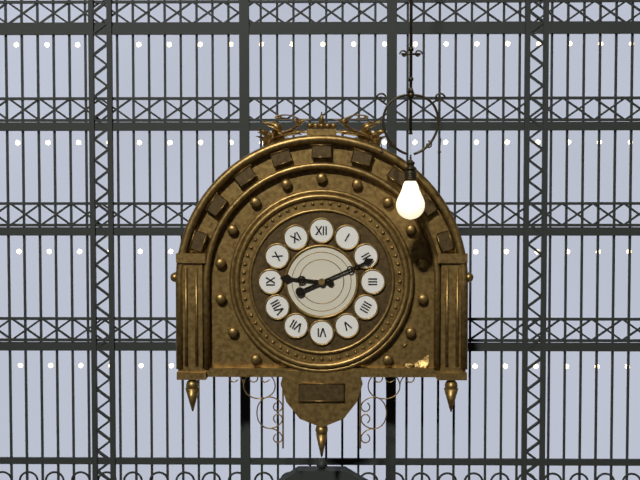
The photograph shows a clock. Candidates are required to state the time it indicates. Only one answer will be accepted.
9:11
